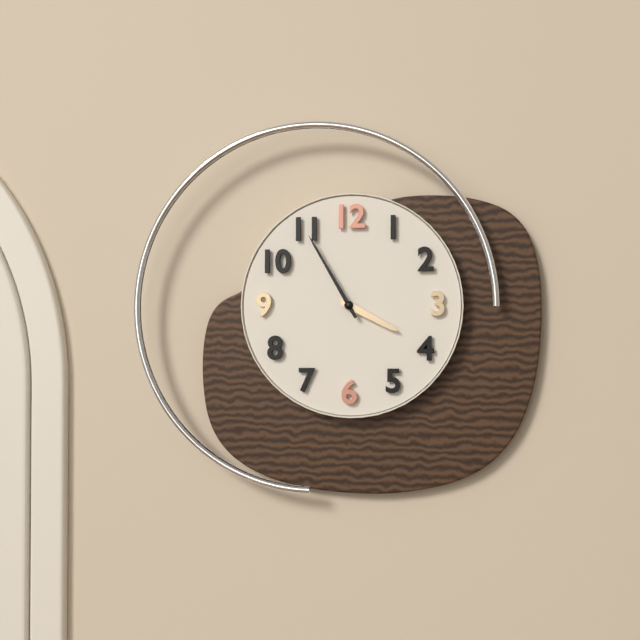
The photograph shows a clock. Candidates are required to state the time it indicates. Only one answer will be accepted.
3:55
